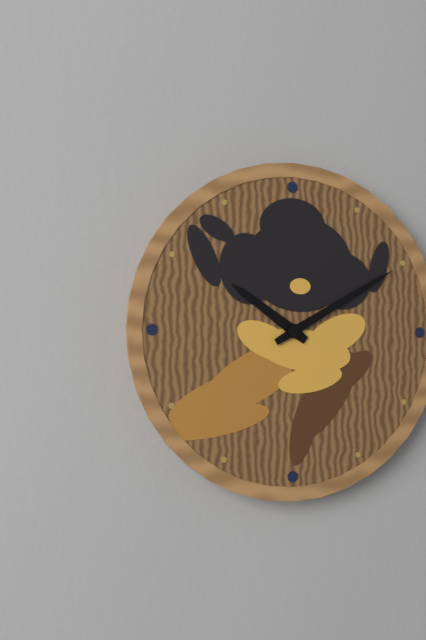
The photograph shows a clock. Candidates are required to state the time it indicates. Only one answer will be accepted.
10:10
